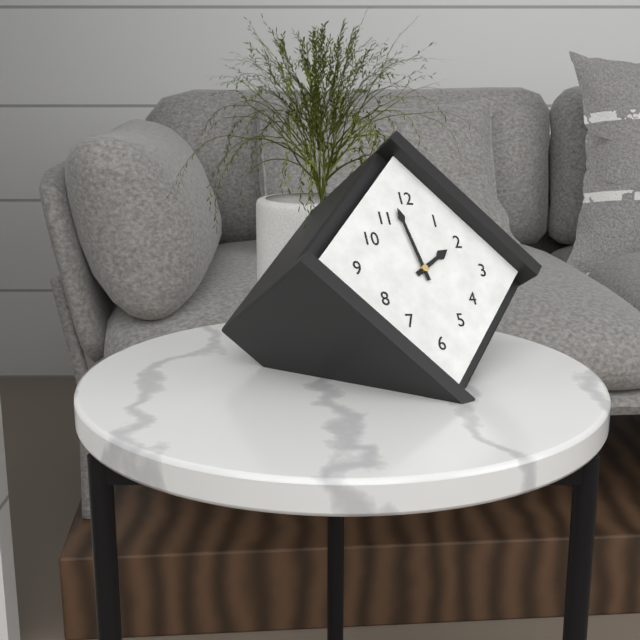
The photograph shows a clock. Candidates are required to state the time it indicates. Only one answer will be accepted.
1:58
